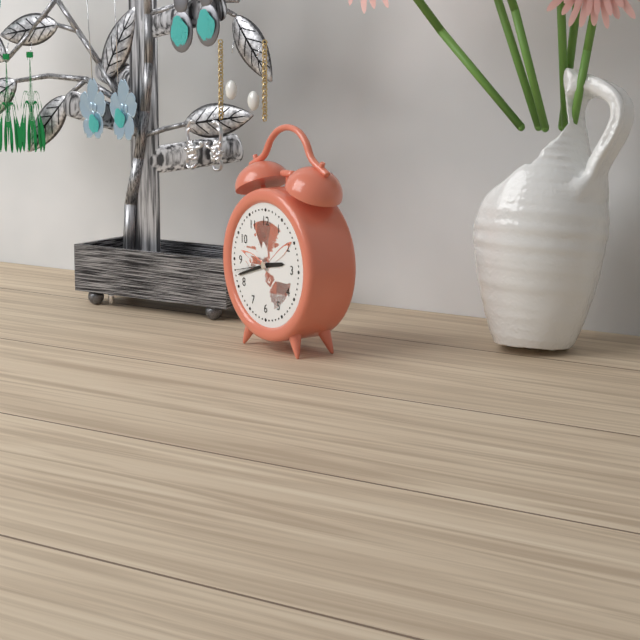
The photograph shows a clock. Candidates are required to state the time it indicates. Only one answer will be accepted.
2:42
